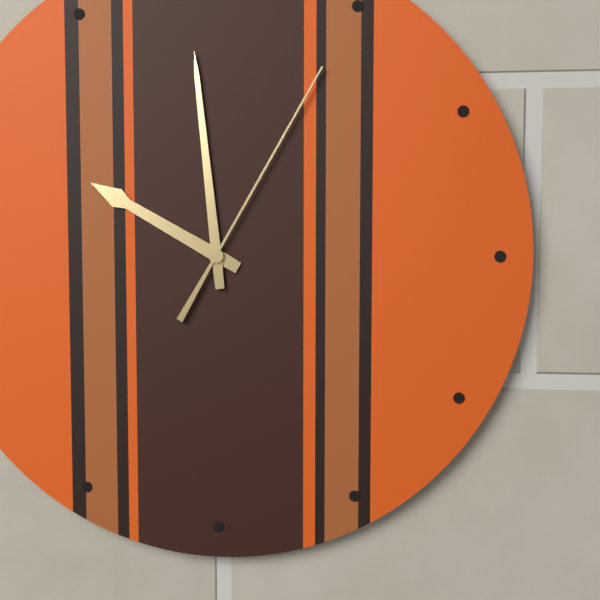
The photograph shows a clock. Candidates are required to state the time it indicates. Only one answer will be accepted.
9:59:05
